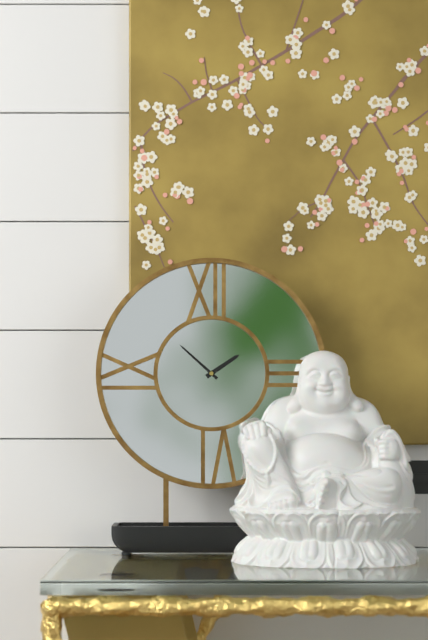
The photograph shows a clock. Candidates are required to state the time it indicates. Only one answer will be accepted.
1:52
